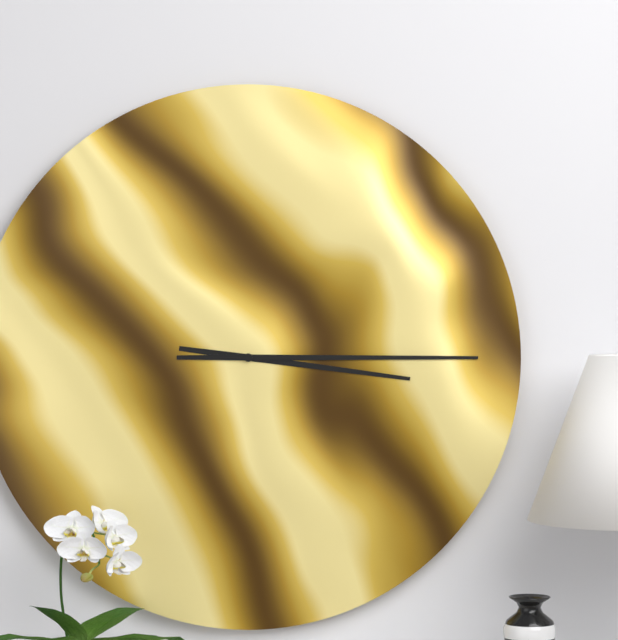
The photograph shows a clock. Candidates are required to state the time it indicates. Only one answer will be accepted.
3:15
